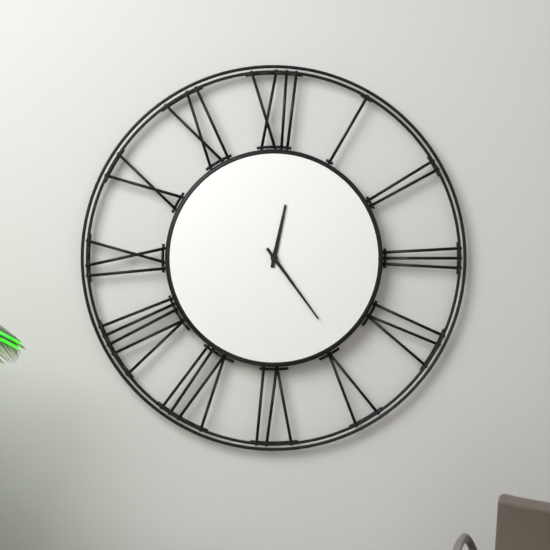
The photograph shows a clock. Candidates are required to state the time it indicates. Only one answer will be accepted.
12:24
